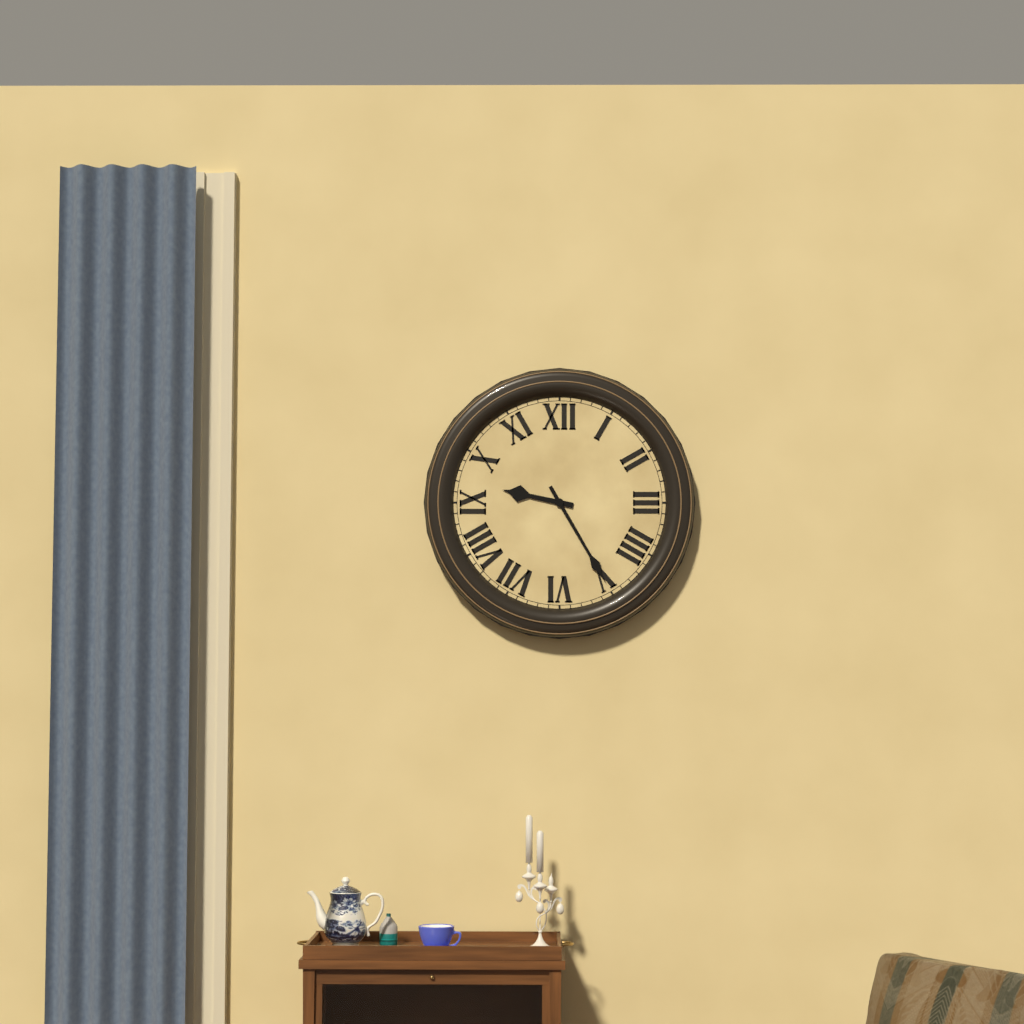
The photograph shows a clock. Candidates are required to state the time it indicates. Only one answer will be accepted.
9:25
